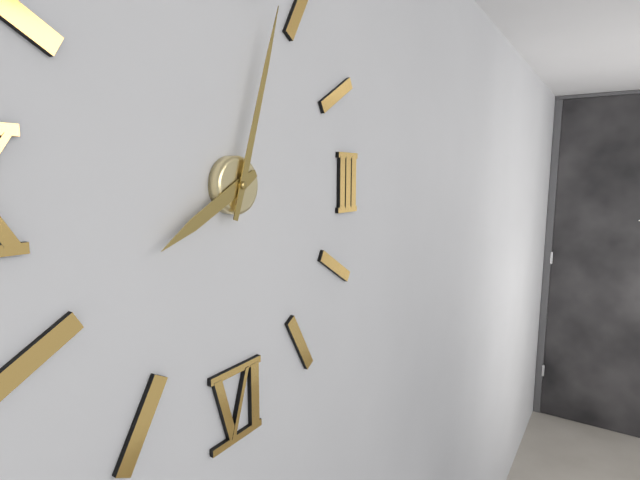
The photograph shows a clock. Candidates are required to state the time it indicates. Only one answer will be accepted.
8:03
